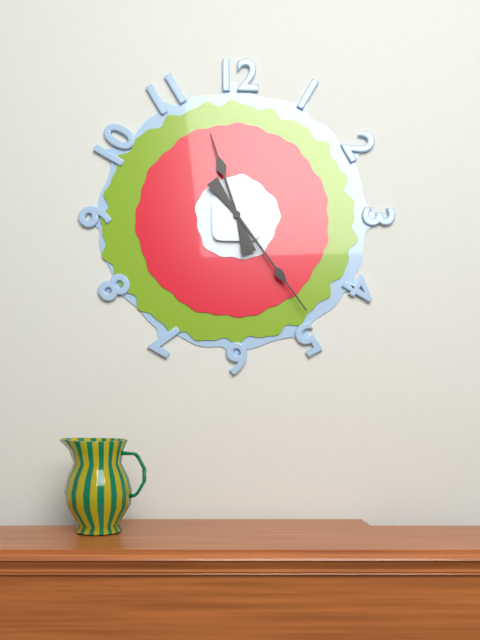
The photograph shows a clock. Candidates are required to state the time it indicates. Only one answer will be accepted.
11:24
